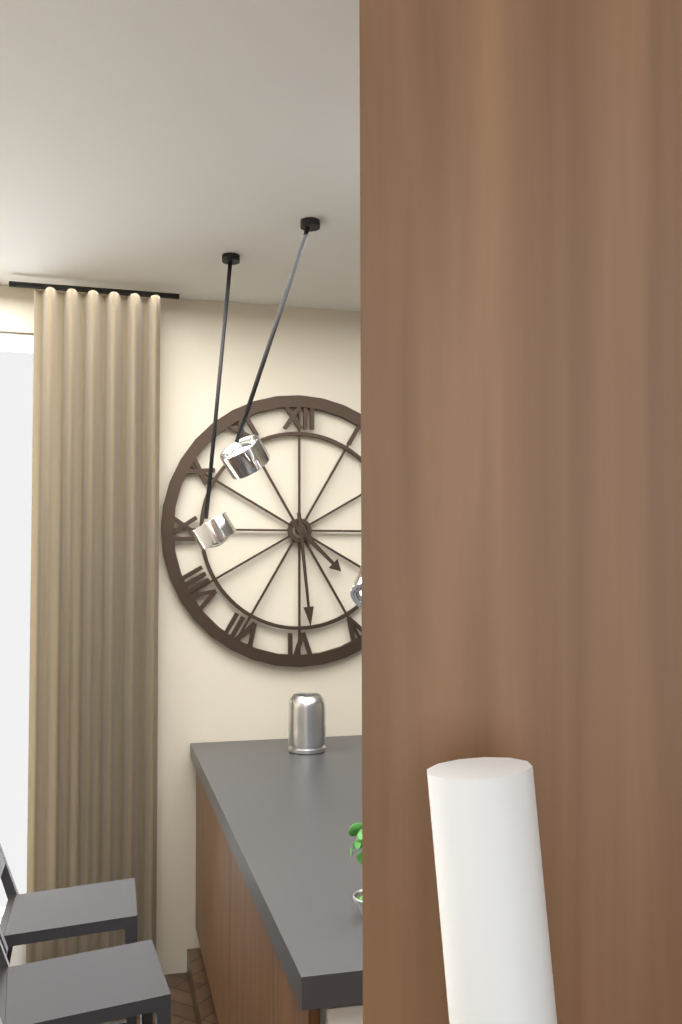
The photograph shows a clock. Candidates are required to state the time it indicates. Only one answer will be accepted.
4:29
